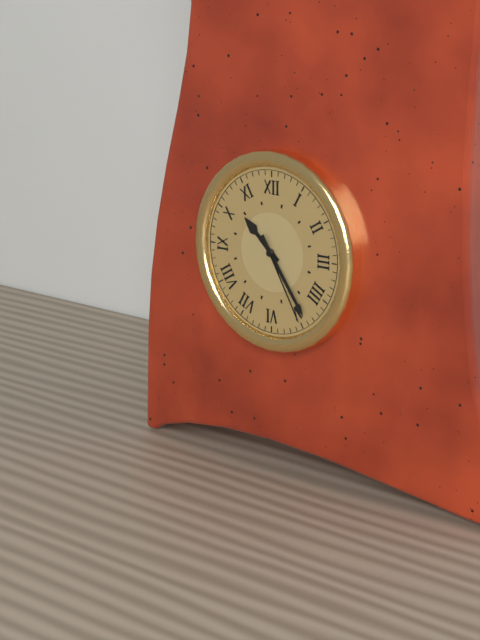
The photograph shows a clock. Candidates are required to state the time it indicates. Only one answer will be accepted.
10:24:25
